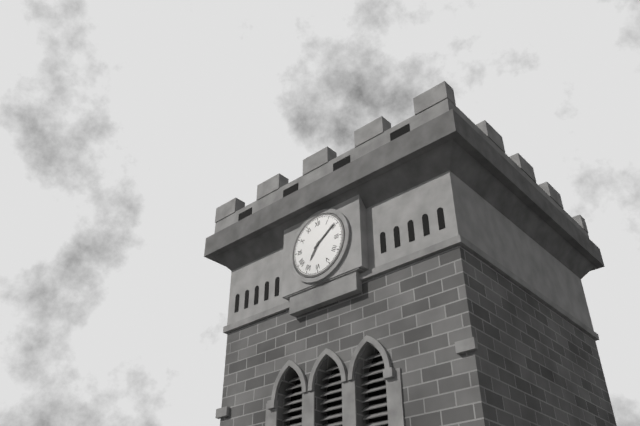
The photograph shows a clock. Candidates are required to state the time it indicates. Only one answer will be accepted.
7:09
